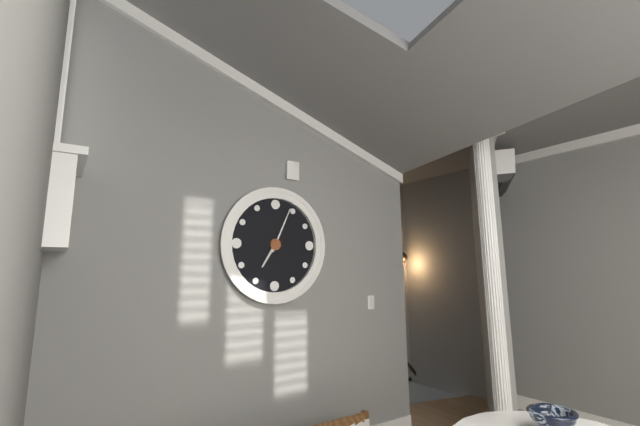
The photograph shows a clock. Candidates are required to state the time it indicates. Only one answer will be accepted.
7:04
